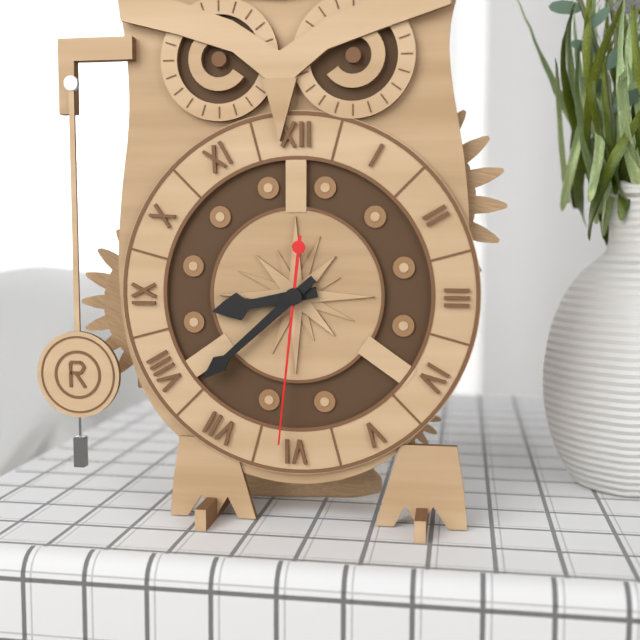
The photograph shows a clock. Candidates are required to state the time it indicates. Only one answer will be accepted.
8:38:31
